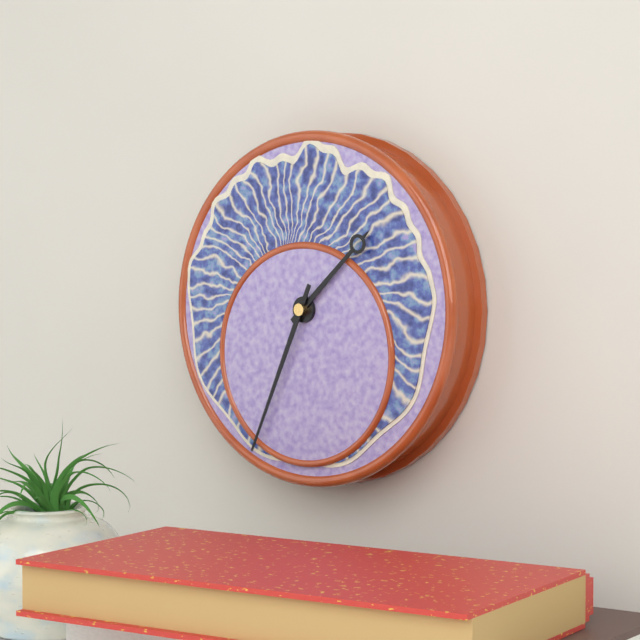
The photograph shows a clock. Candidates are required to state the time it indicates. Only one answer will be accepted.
1:34
